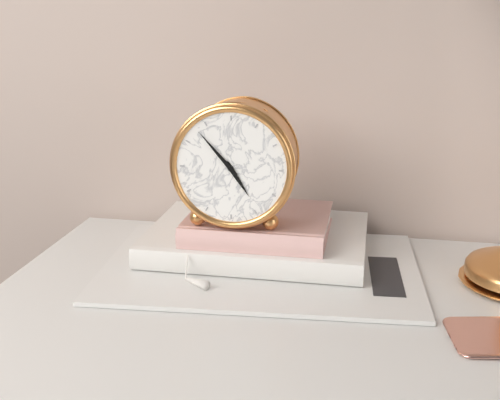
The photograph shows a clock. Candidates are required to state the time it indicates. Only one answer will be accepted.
4:53
